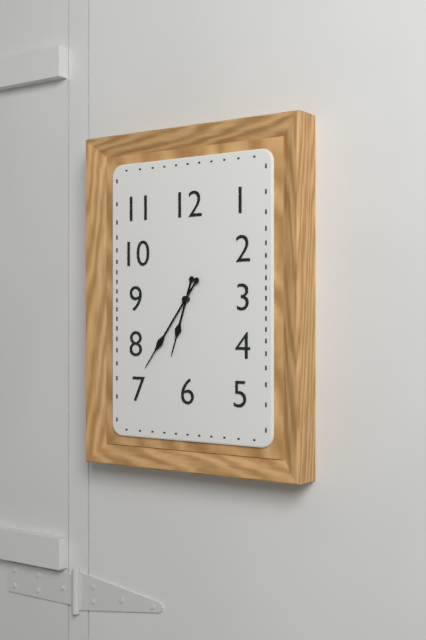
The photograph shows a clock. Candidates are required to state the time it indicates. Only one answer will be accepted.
6:36
